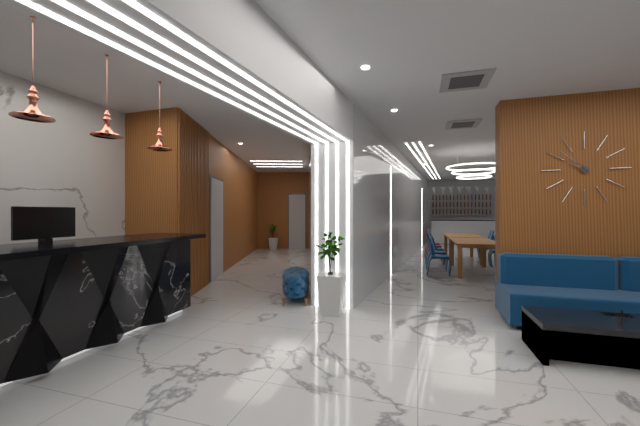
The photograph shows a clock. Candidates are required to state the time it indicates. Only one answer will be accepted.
9:52
